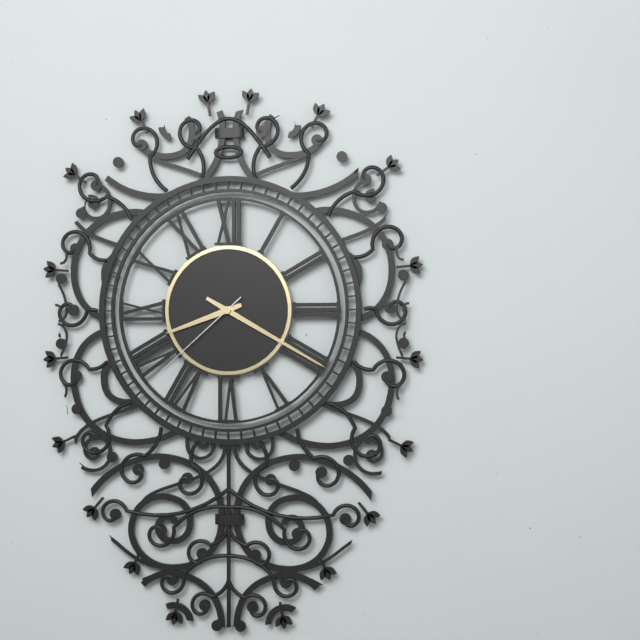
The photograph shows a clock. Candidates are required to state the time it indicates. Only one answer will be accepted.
8:20:38
